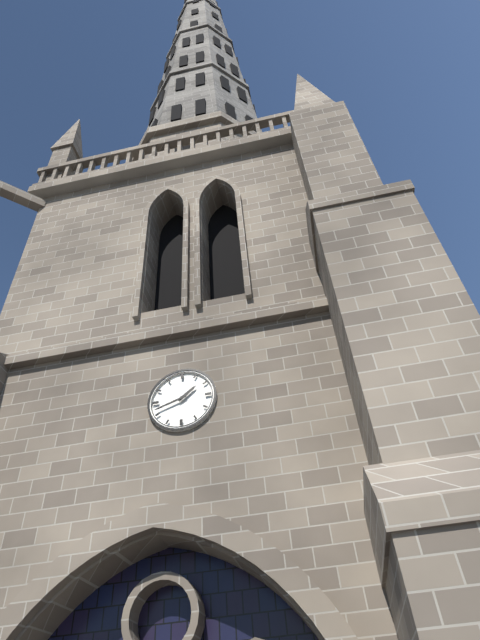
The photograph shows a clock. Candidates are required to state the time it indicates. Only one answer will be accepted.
1:42
